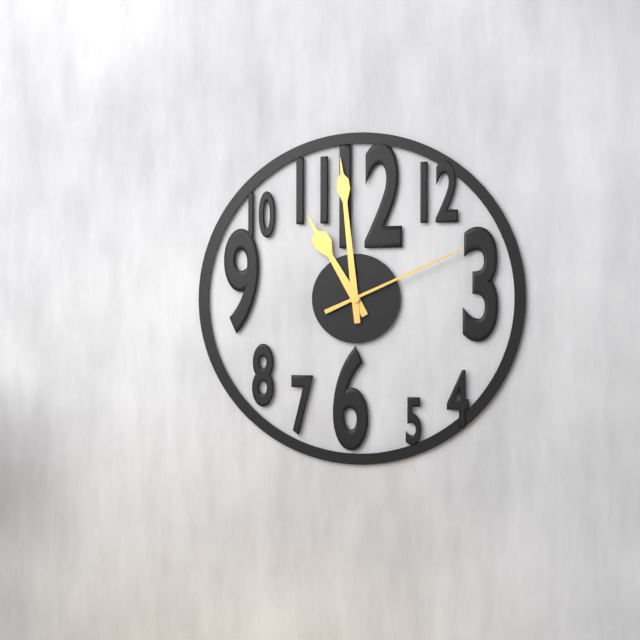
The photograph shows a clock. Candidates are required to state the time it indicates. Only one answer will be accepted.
10:59:11
